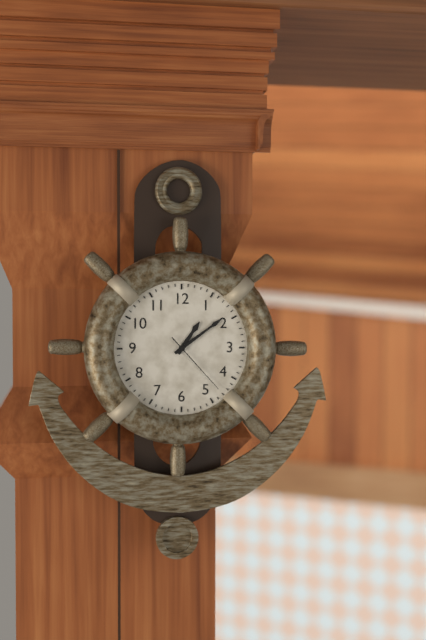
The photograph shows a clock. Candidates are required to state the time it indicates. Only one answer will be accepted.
1:09:23
